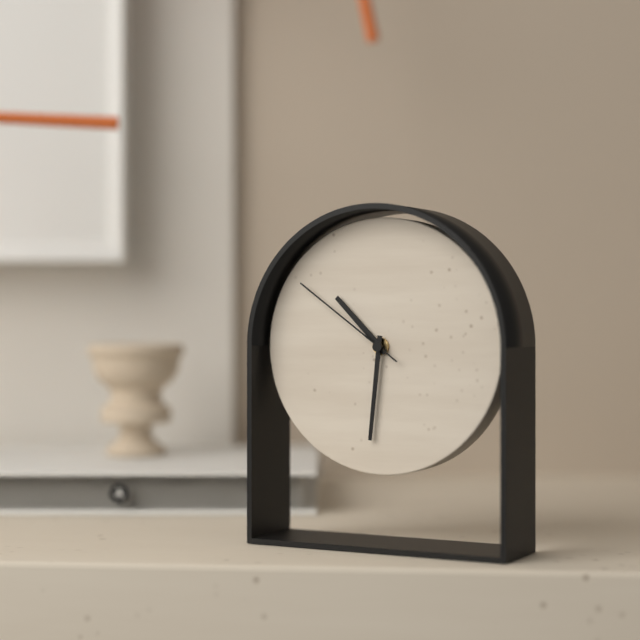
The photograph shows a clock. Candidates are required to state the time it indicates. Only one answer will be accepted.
10:31:51
